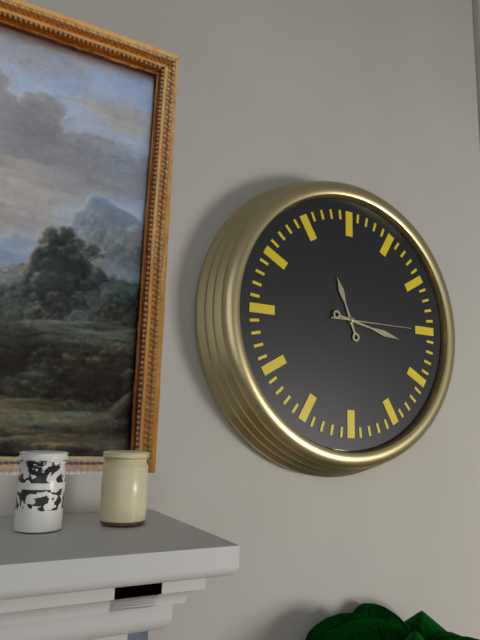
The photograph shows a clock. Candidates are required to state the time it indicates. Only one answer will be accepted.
11:17:15
